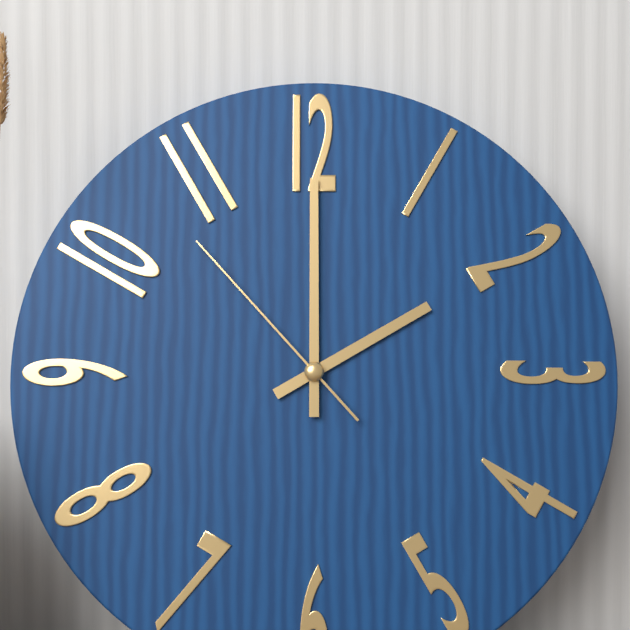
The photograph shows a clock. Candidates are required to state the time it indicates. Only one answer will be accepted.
2:00:53
